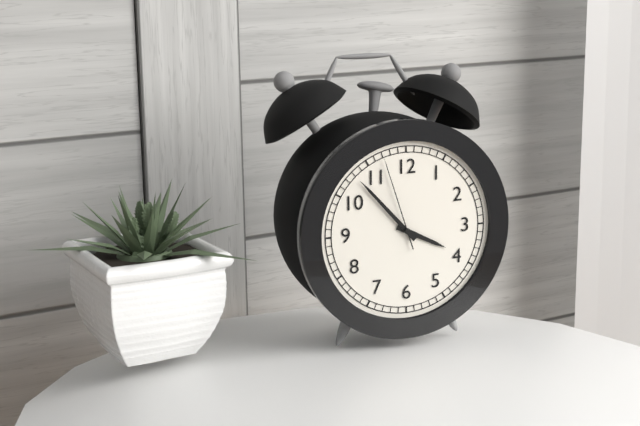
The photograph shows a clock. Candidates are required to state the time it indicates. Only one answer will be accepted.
3:53:57
